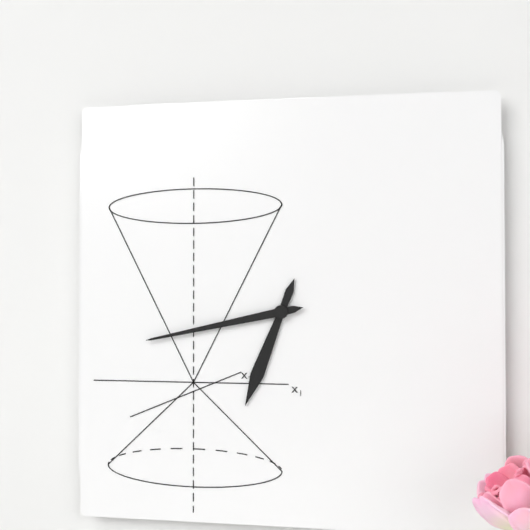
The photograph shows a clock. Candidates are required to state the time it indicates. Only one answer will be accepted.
6:43
